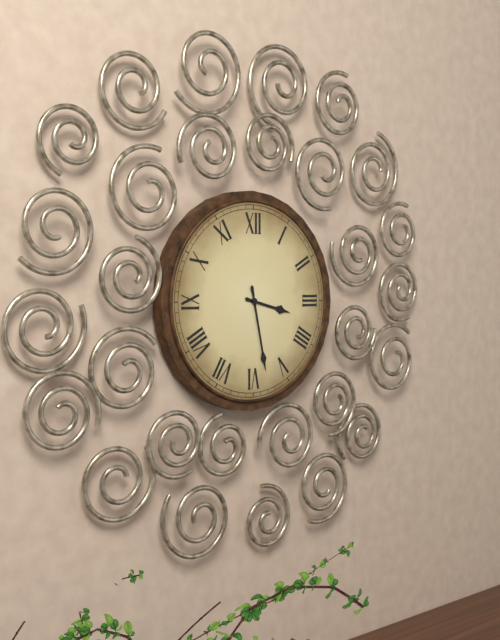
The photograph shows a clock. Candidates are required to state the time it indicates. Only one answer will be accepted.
3:28
